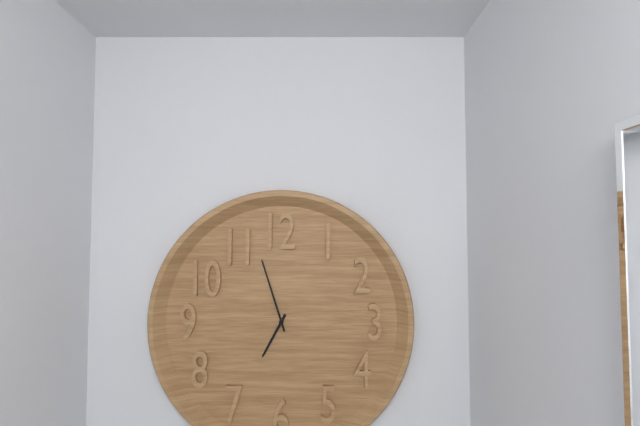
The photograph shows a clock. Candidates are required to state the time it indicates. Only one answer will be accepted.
6:57
